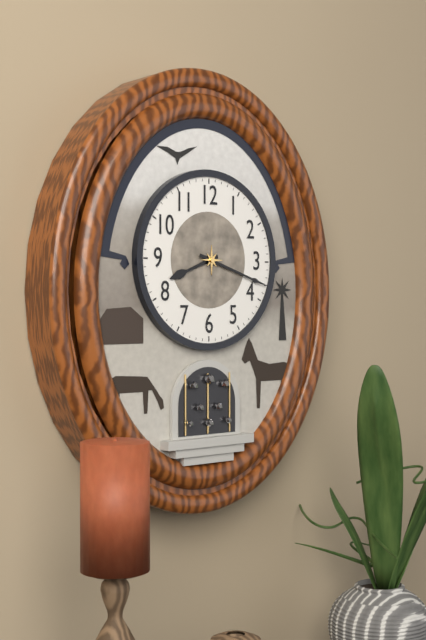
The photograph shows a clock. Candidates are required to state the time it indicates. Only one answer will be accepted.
8:18
